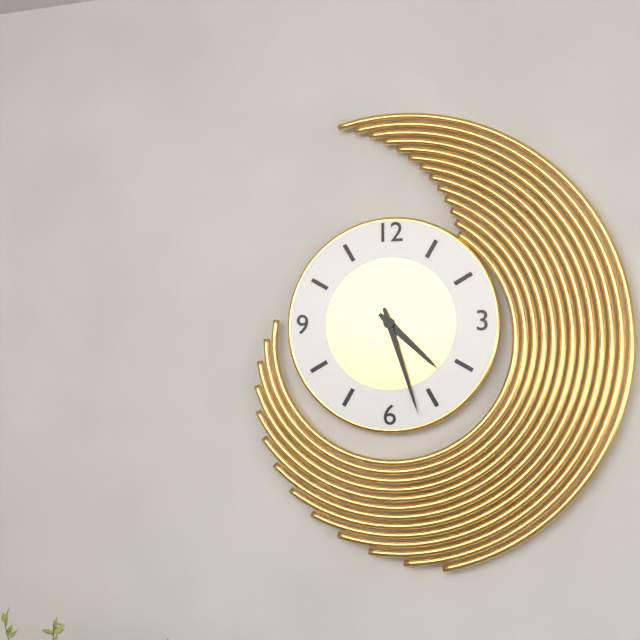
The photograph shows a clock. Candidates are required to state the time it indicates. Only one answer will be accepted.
4:27
